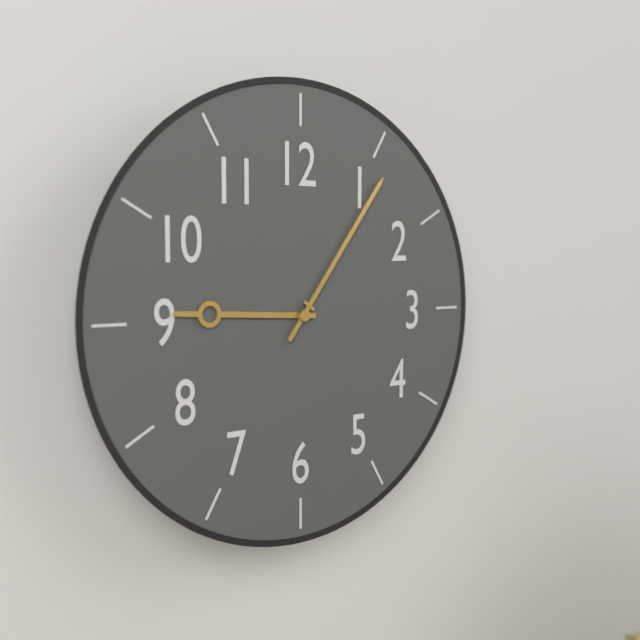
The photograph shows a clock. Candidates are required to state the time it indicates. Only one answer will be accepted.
9:06
